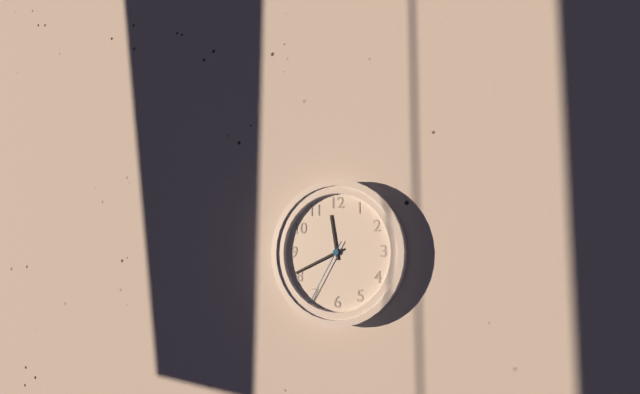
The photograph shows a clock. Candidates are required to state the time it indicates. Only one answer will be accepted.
11:41:35
